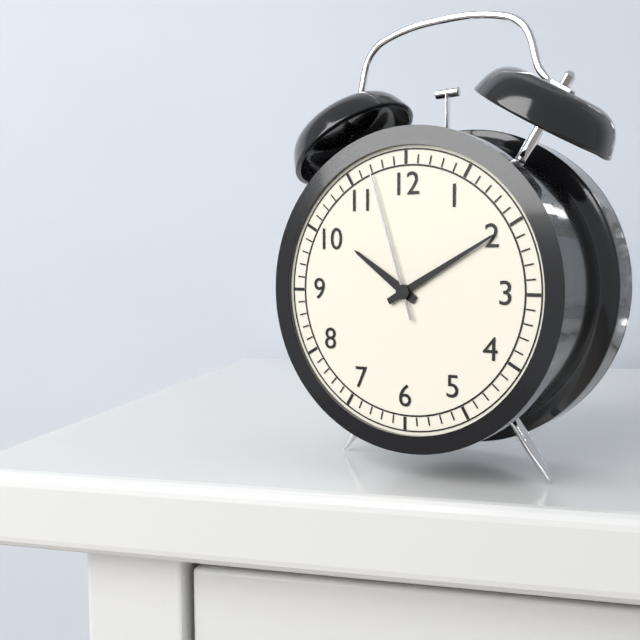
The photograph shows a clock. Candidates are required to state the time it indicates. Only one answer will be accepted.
10:10:57
